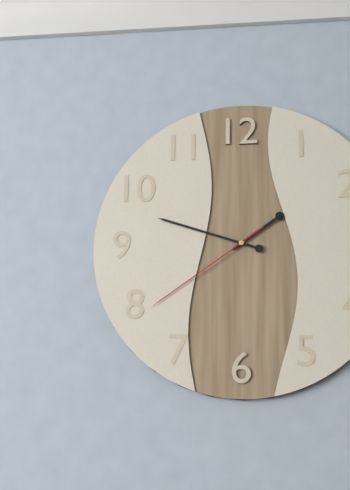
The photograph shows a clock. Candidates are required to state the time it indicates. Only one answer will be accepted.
1:48:39
